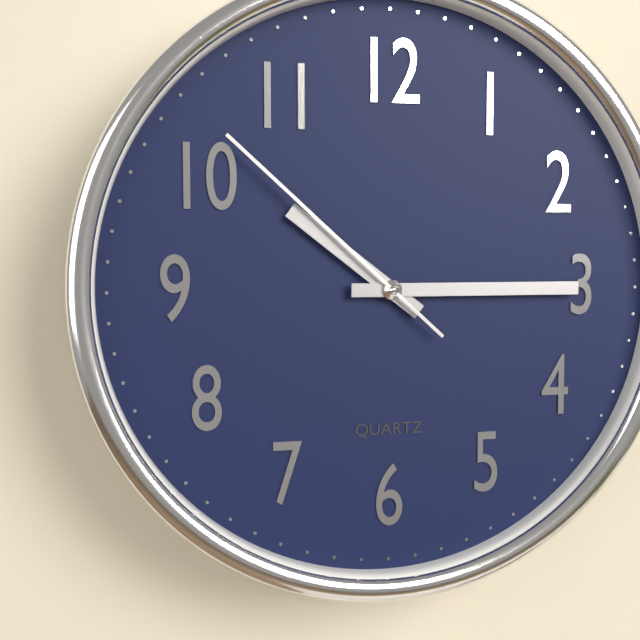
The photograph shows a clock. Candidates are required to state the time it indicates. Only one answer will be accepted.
10:15:52
